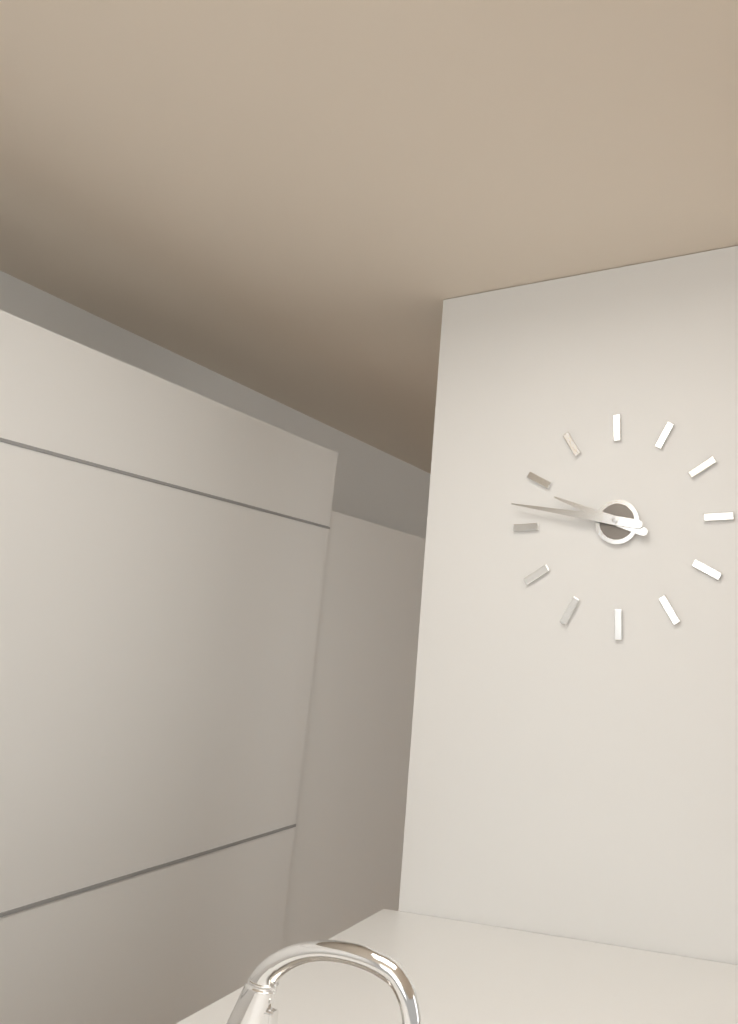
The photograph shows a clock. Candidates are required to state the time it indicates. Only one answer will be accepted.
9:47
